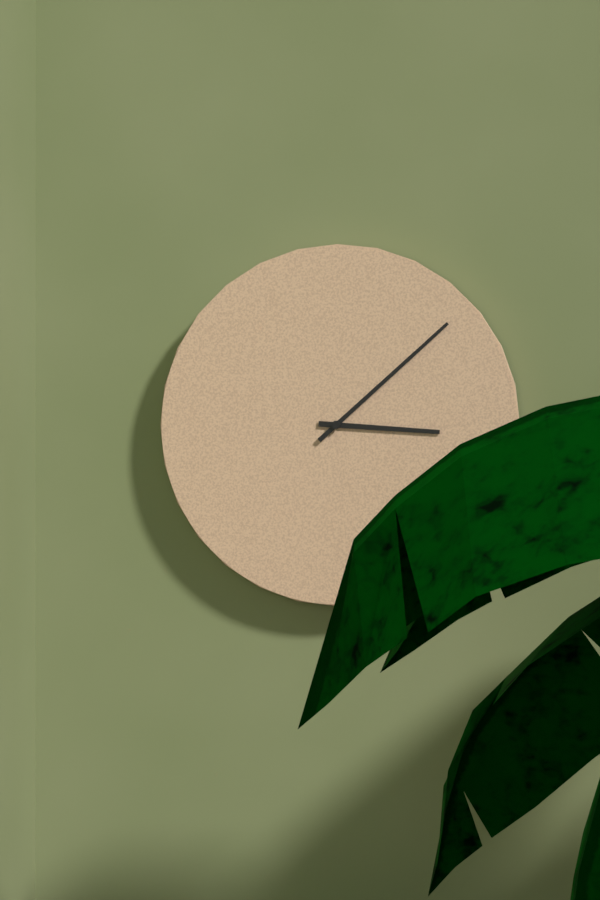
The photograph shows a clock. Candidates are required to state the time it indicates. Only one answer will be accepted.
3:08
